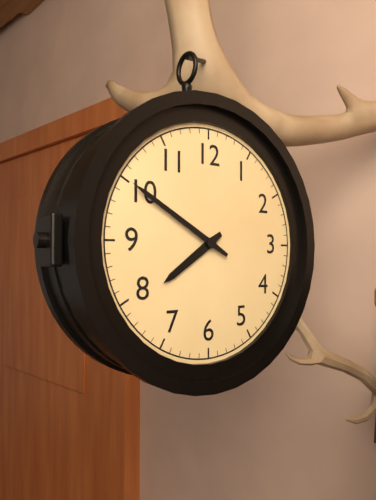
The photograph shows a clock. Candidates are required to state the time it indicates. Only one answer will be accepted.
7:50
